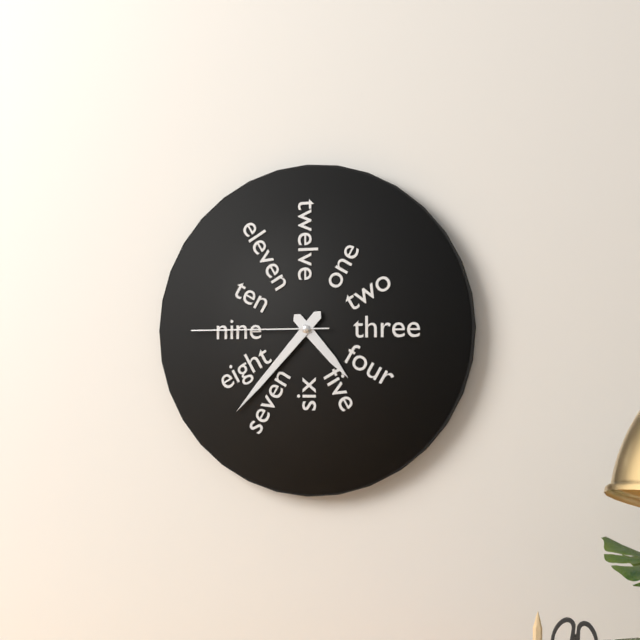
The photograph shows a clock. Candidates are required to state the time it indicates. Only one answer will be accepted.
4:37:45
